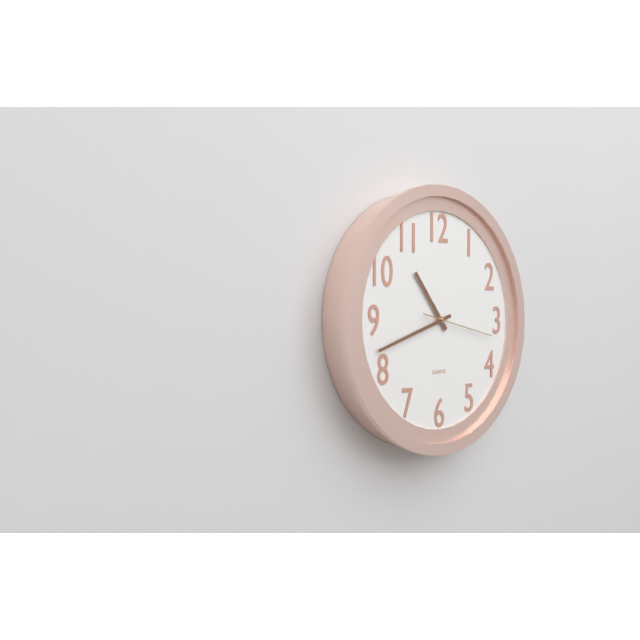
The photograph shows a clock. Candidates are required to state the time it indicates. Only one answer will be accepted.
10:42:17
